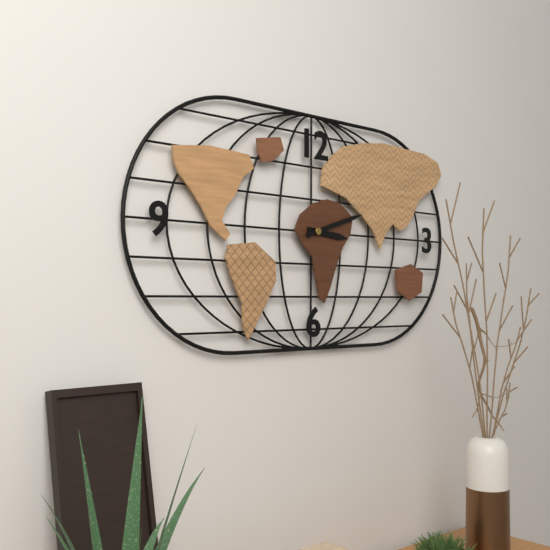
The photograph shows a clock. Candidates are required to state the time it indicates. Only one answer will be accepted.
3:12
